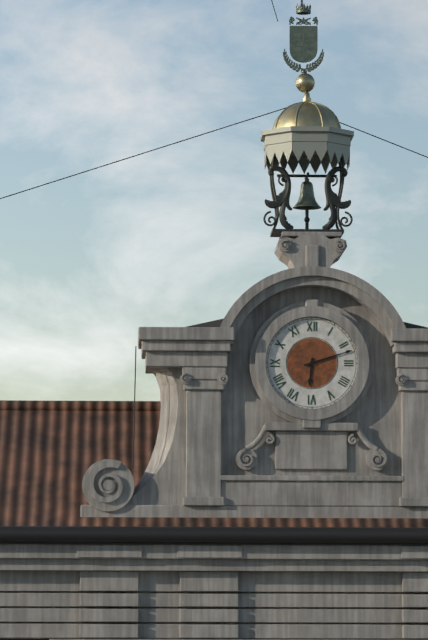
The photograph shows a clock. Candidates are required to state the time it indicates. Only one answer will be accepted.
6:12
